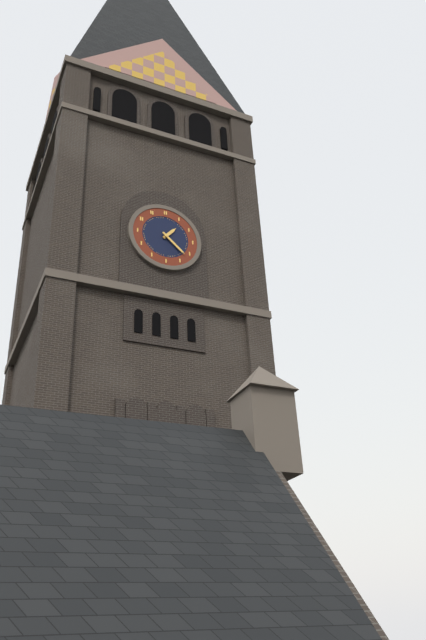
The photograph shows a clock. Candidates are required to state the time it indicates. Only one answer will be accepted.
1:22
